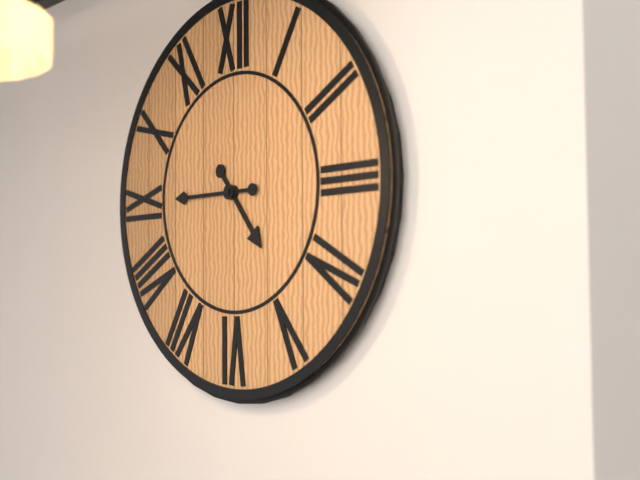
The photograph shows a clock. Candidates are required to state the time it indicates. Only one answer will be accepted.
4:45
